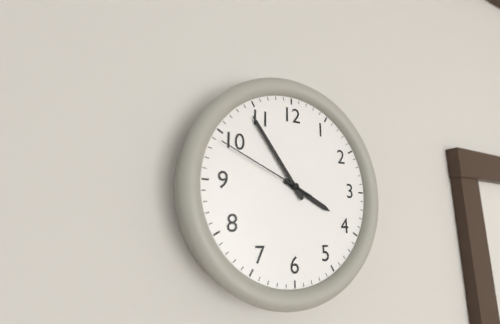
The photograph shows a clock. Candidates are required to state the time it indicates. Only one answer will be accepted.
3:54:49
